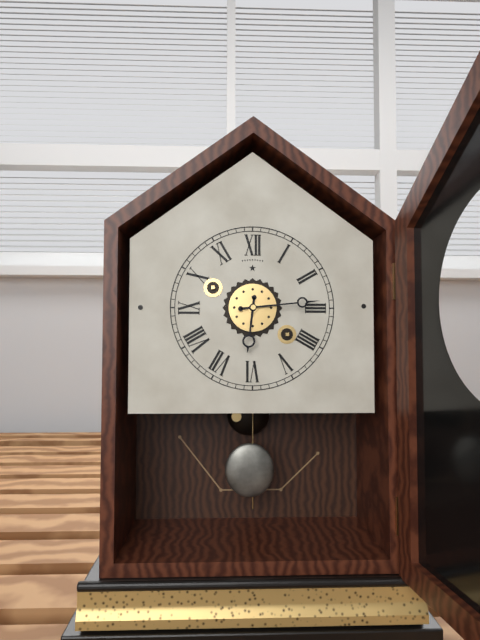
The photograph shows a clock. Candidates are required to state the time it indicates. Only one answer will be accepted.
6:14
